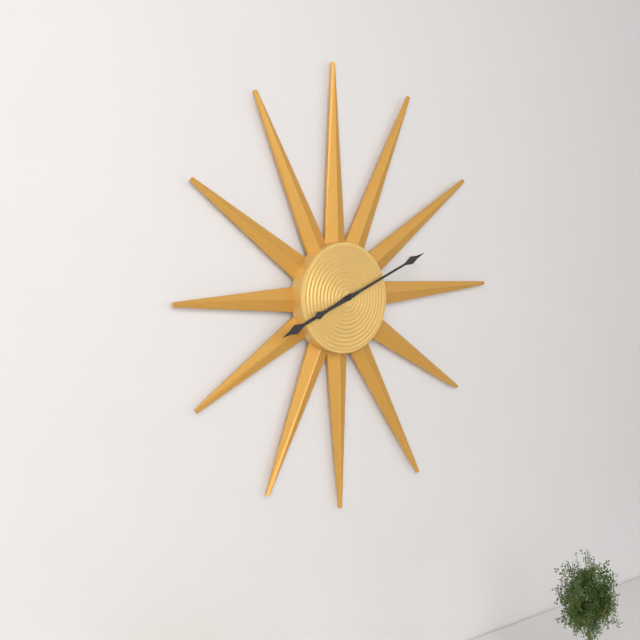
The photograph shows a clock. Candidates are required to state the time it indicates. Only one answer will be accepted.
8:11
